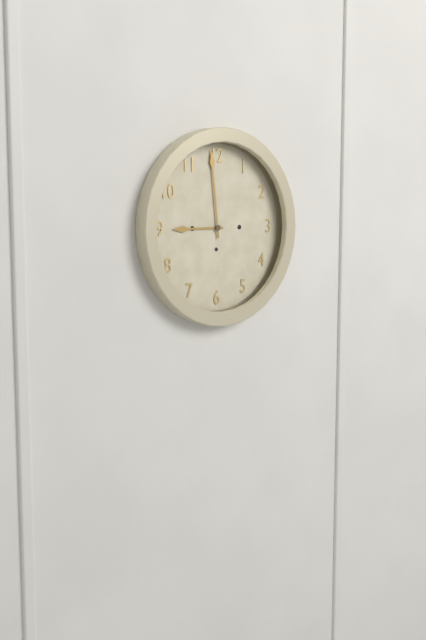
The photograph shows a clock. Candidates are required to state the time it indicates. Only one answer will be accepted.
8:59
